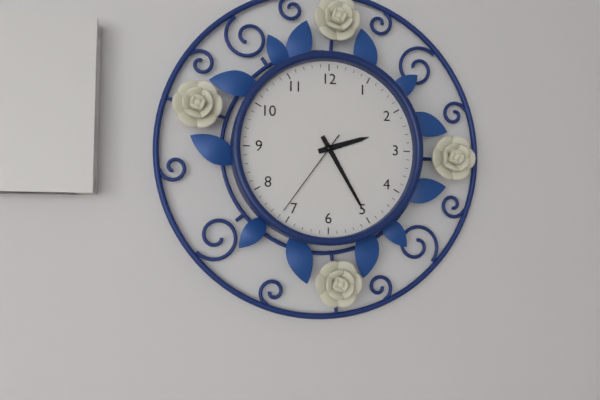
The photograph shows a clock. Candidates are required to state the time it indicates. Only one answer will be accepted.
2:25:36
